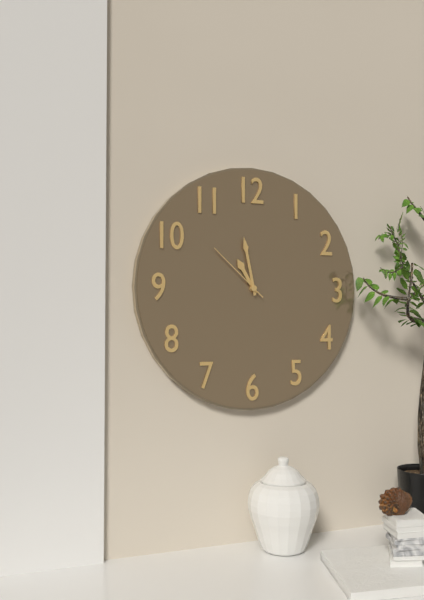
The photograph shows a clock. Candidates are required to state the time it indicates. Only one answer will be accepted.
10:58:52
